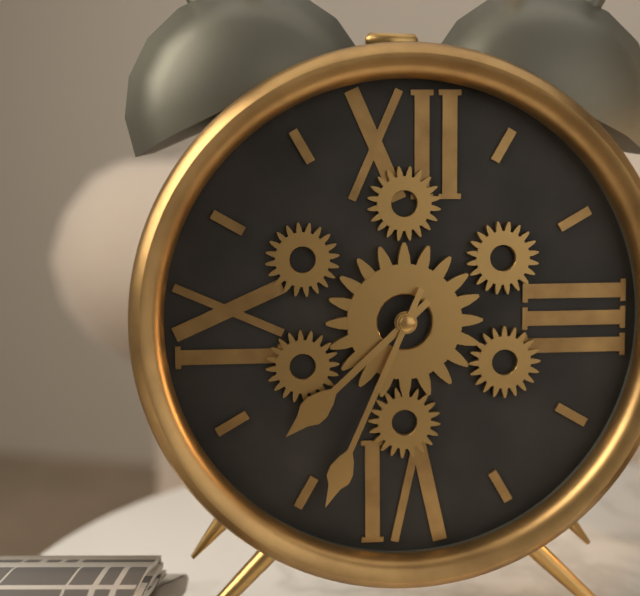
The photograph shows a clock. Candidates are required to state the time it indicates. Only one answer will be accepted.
7:34
